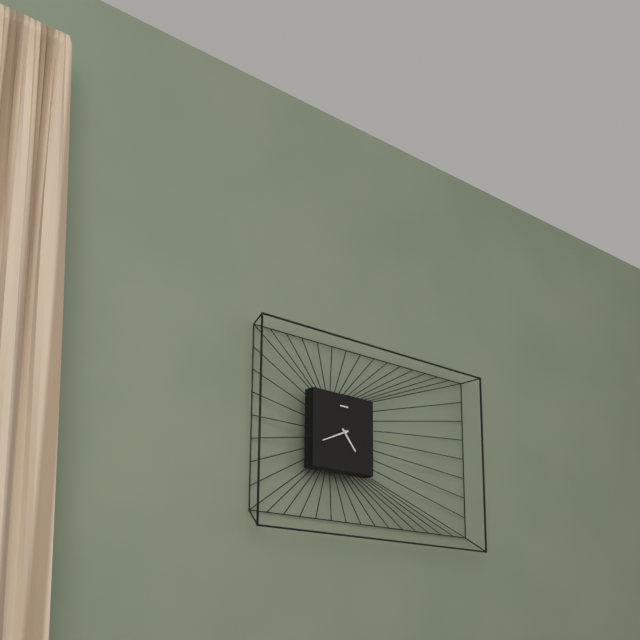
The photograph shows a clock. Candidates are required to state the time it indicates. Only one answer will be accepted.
4:41
